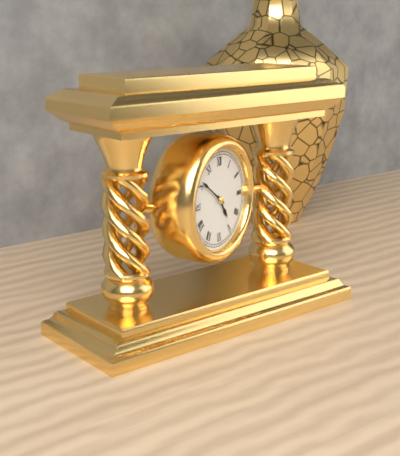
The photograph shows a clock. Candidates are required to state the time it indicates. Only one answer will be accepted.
4:51
